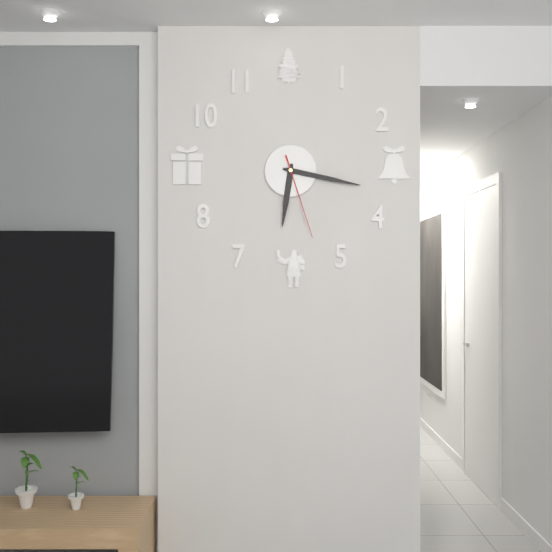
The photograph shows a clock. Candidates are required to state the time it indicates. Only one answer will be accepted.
6:17:27
